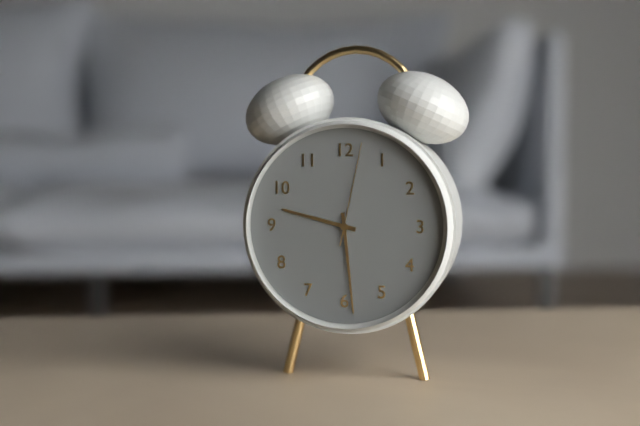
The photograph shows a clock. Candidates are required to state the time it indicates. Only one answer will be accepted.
9:29:02
